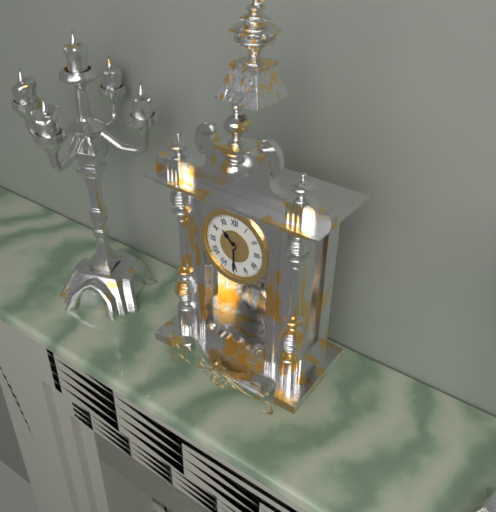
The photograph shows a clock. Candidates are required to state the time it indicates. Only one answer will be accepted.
10:30
